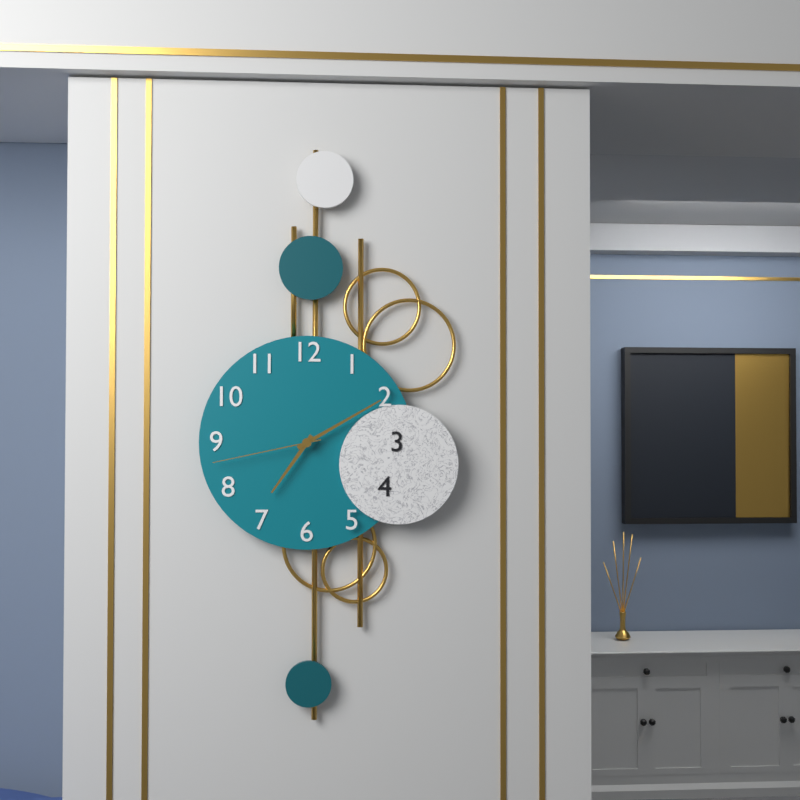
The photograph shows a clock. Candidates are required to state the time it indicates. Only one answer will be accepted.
7:10:43
